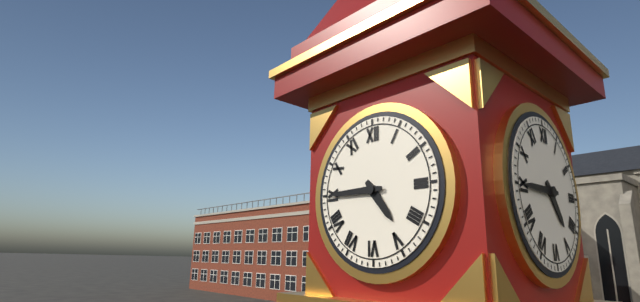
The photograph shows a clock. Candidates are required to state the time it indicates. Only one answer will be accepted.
4:45
